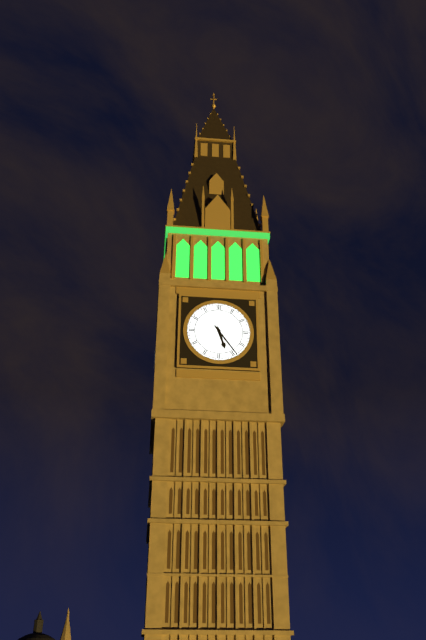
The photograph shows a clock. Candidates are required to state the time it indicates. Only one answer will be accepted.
5:24
